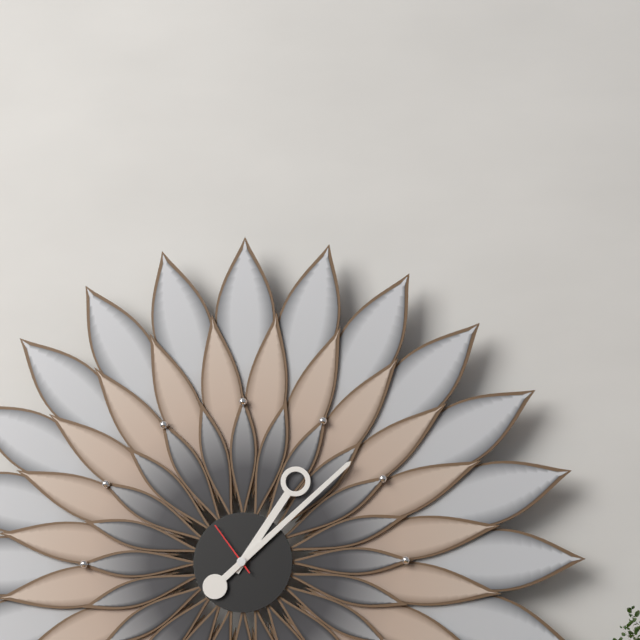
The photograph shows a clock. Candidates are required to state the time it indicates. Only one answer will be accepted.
1:08:54
